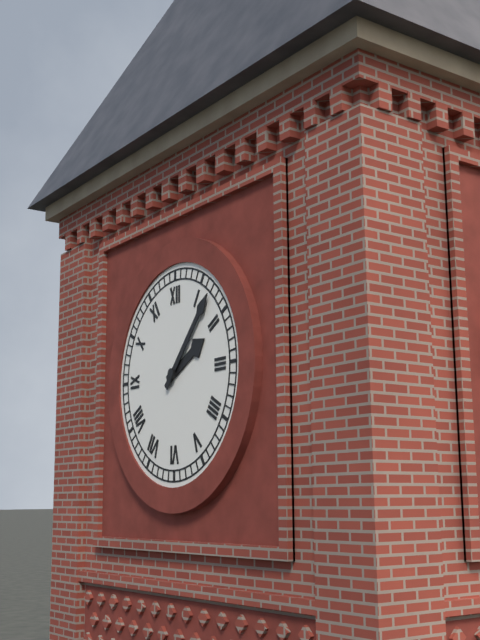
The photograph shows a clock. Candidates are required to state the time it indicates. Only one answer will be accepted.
2:07
